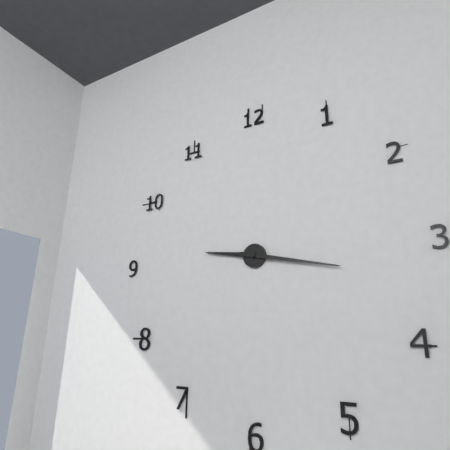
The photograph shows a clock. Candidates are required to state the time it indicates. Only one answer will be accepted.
9:17
